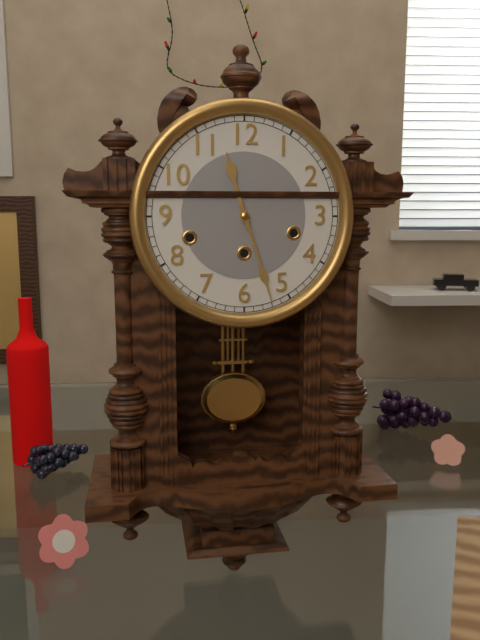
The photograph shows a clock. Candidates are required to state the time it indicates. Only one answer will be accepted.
11:27
